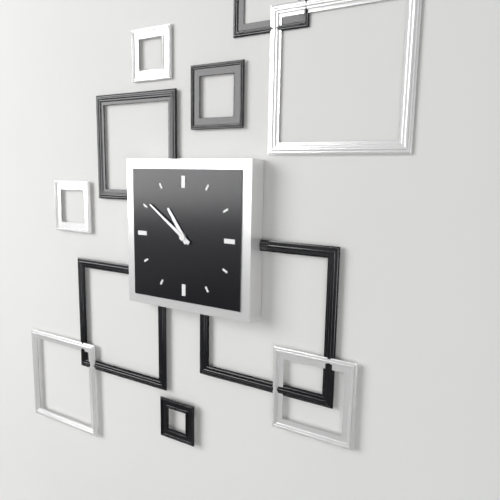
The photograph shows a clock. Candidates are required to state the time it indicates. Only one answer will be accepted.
10:51
